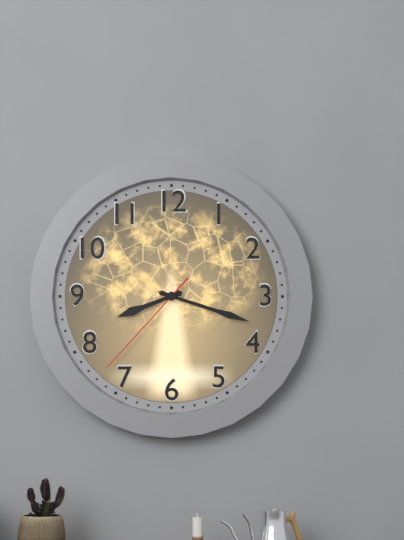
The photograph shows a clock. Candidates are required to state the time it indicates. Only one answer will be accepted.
8:18:37
